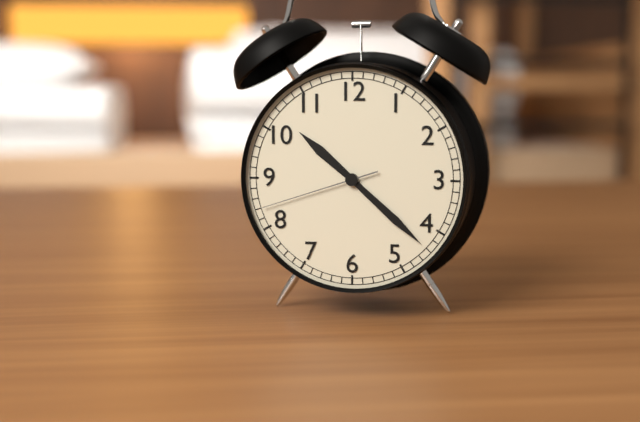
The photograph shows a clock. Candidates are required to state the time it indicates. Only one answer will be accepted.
10:22:42
